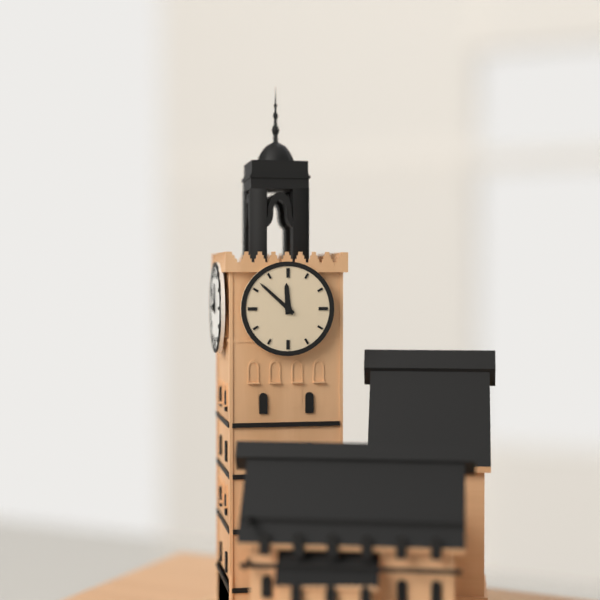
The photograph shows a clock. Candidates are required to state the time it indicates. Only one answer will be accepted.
11:52
